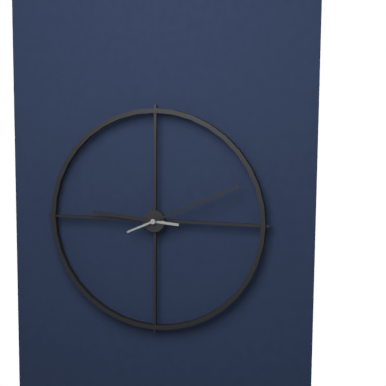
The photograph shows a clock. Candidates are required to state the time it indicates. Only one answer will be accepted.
9:11
